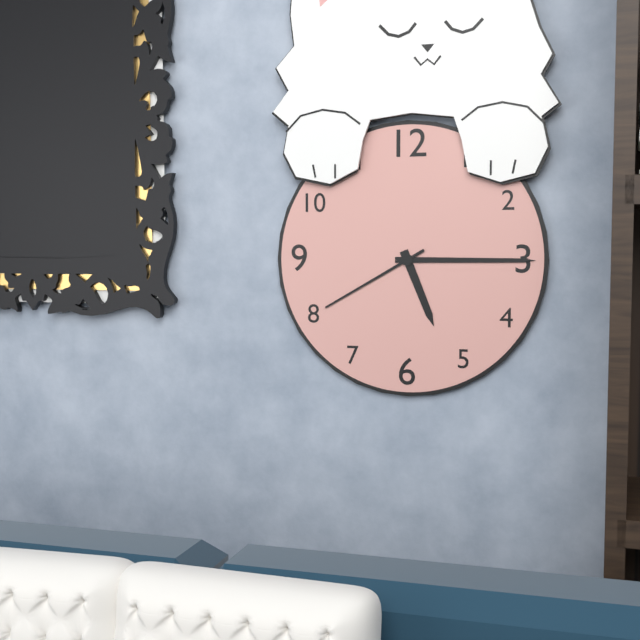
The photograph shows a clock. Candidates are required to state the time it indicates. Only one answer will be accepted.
5:15:40
